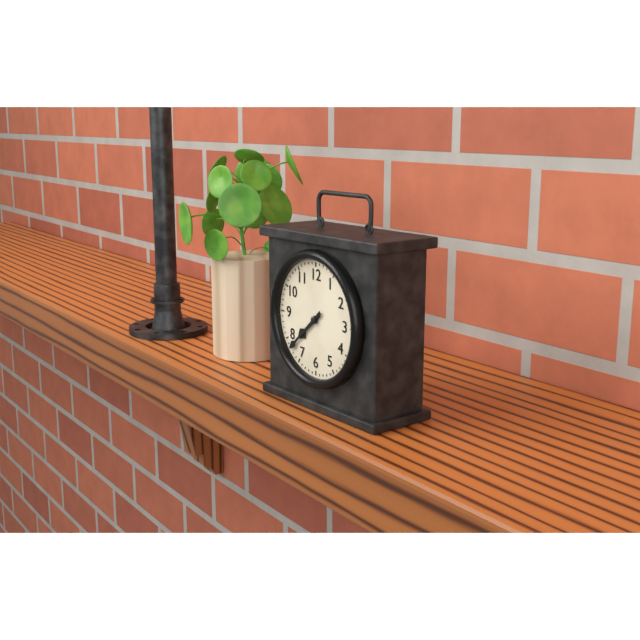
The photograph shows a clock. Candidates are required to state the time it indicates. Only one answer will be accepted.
7:38
